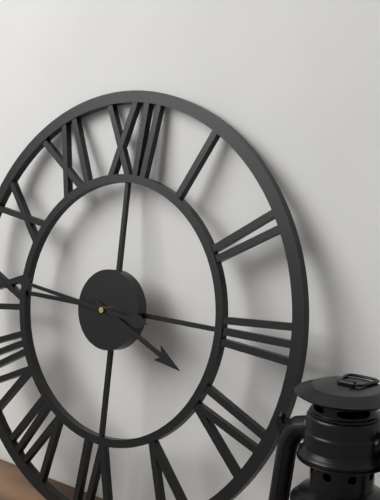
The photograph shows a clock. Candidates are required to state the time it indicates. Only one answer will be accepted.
3:46
